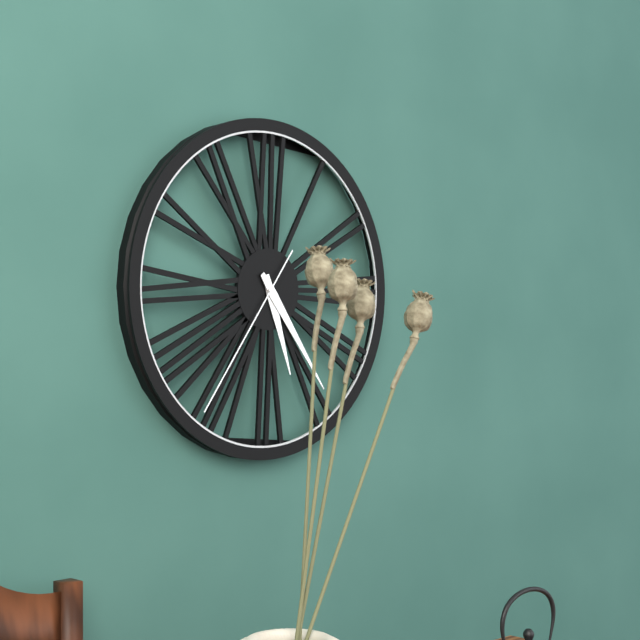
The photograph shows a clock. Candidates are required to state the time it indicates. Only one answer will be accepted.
5:24:36
